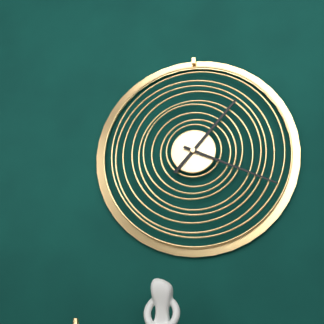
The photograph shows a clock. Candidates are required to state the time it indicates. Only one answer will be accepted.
1:19
